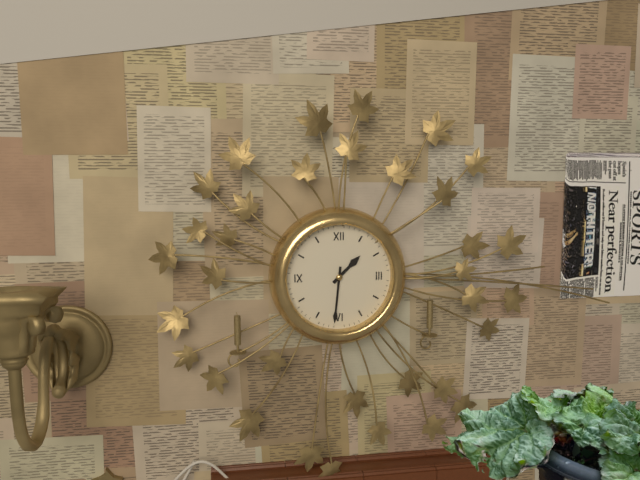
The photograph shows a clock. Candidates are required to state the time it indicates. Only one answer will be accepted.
1:31
